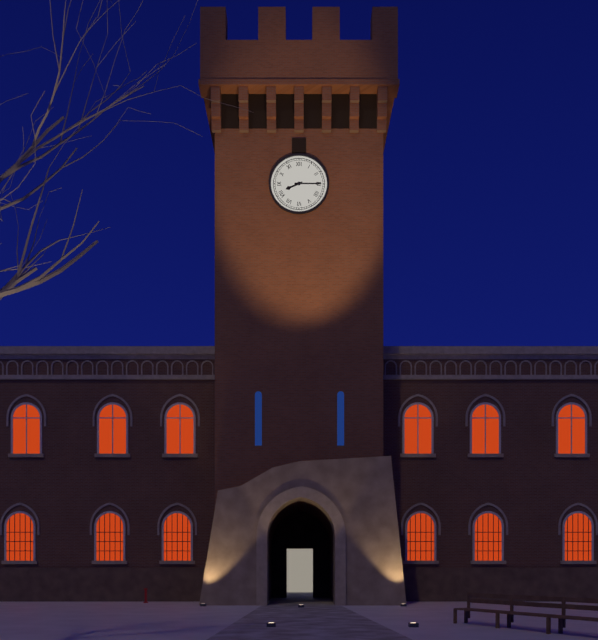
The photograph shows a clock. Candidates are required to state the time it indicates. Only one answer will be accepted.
8:15
